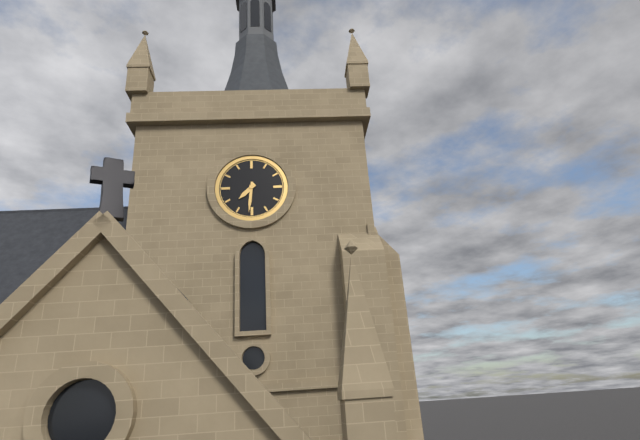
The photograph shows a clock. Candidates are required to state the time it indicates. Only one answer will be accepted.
7:31
